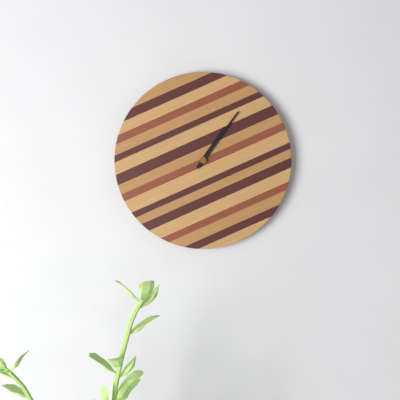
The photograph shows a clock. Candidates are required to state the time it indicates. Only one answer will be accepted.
1:06
